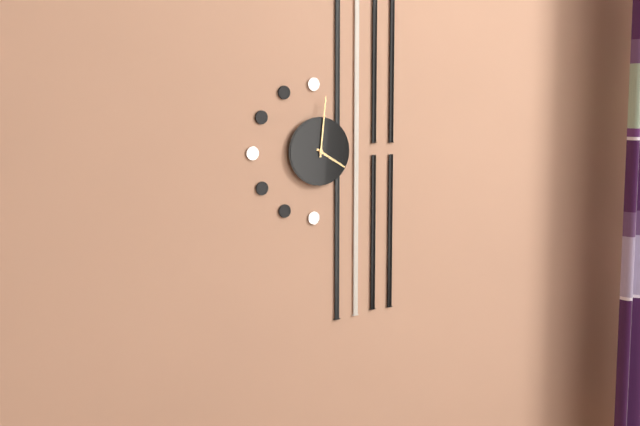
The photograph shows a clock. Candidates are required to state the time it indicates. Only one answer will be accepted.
4:01
